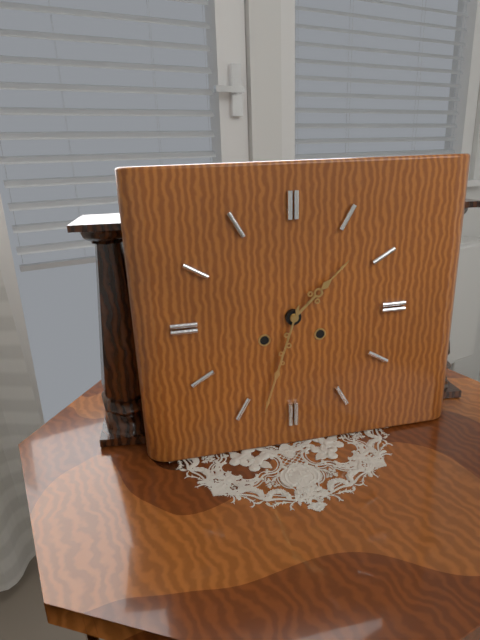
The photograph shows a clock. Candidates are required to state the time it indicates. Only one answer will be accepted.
1:33
